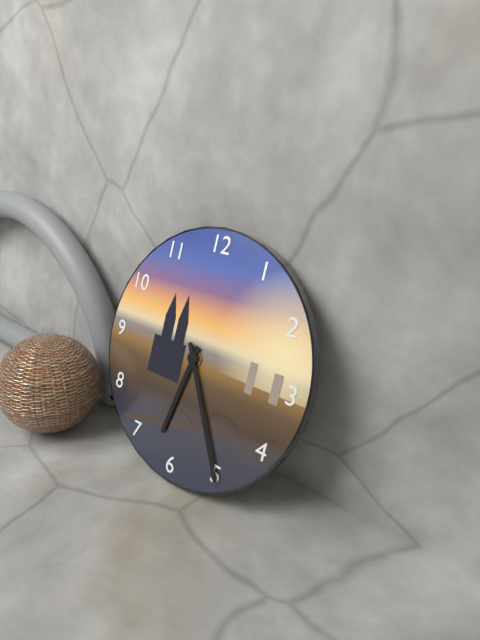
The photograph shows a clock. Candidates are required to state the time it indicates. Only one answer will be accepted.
6:25
